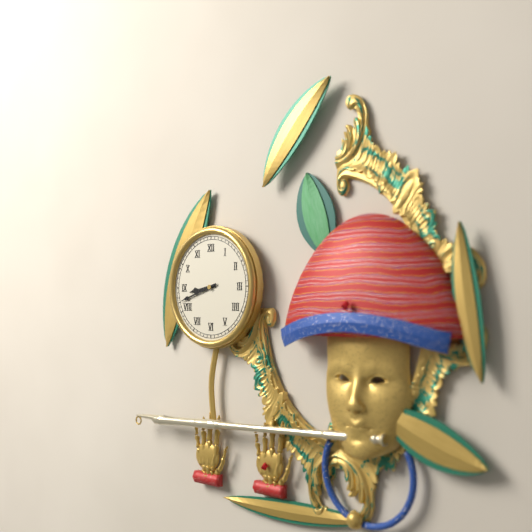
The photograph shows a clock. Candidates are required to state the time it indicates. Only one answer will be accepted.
8:42
